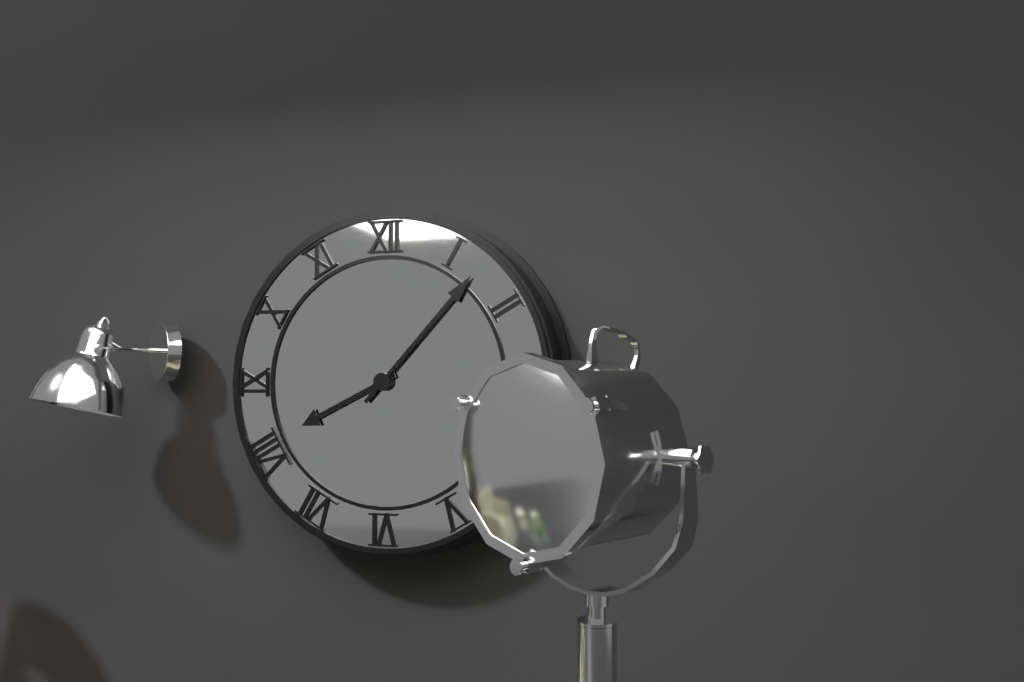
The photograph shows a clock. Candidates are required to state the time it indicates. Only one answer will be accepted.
8:07
